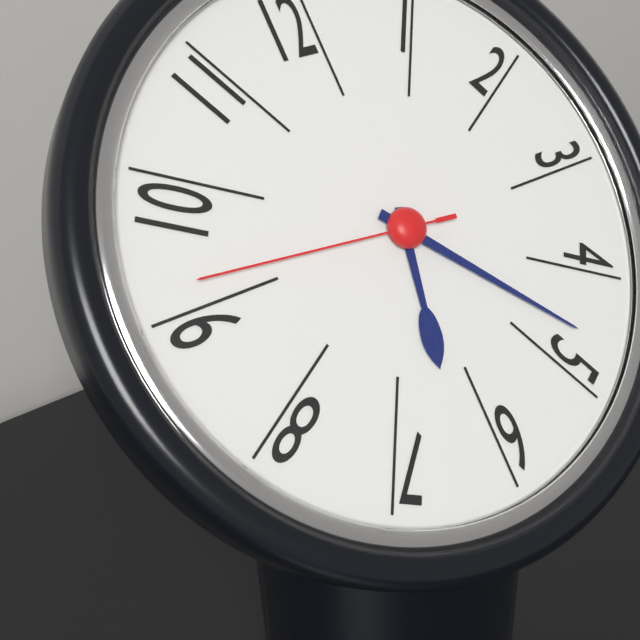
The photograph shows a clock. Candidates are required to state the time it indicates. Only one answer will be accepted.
6:23:46
